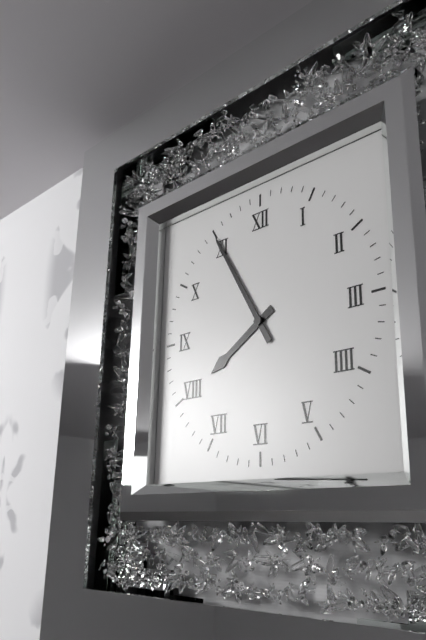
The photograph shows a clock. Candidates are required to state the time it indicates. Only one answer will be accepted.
7:55
